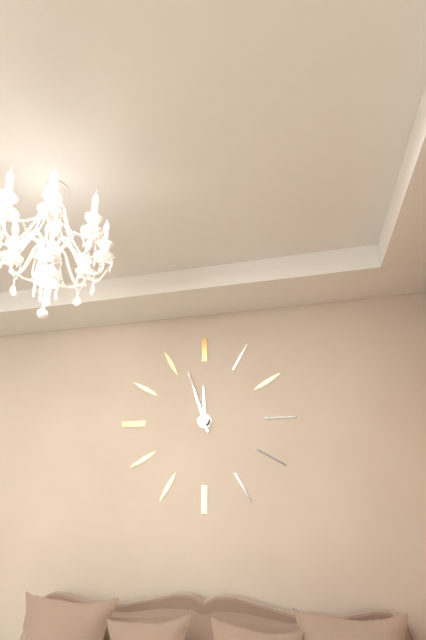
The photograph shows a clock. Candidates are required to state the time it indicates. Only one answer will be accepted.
11:57
